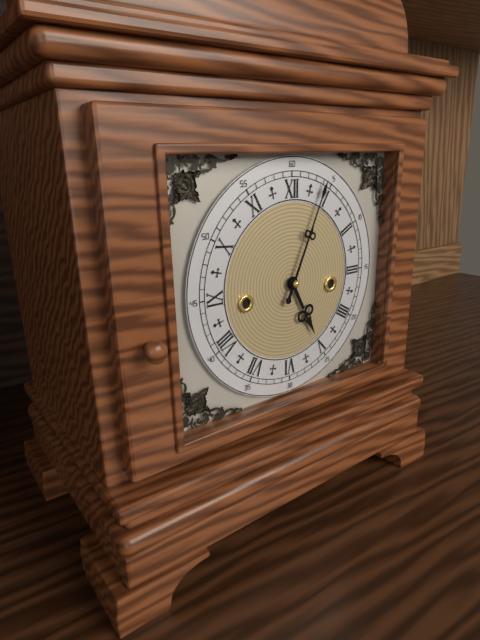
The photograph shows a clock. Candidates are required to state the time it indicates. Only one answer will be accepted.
5:04
